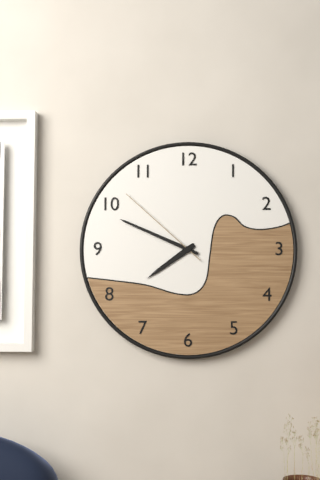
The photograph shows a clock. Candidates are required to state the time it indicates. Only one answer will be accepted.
7:49:52
